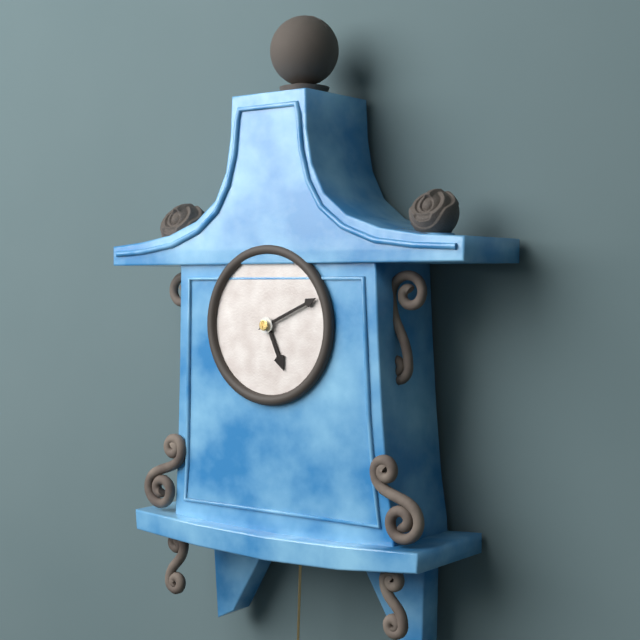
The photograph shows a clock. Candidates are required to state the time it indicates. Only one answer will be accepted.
5:11
